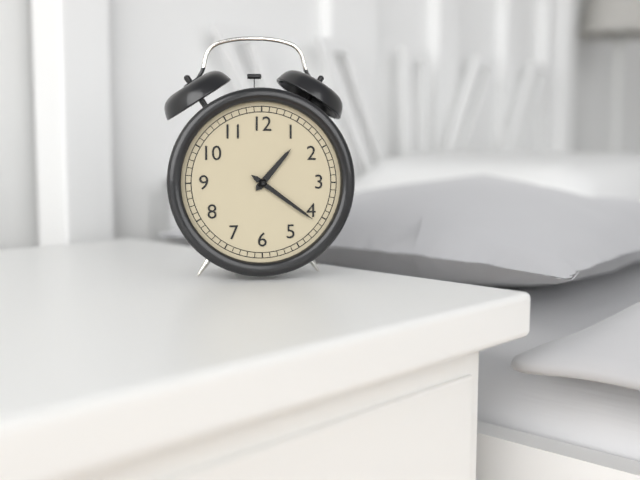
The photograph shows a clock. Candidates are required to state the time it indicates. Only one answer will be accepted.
1:21
